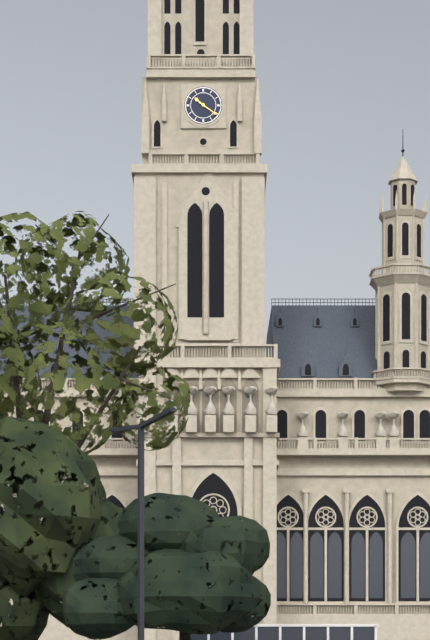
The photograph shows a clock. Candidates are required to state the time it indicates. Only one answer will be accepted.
10:21
